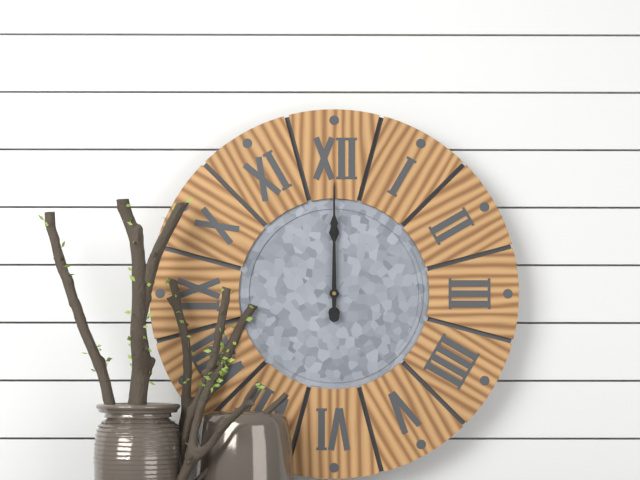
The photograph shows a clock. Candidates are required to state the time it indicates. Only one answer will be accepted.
12:00
